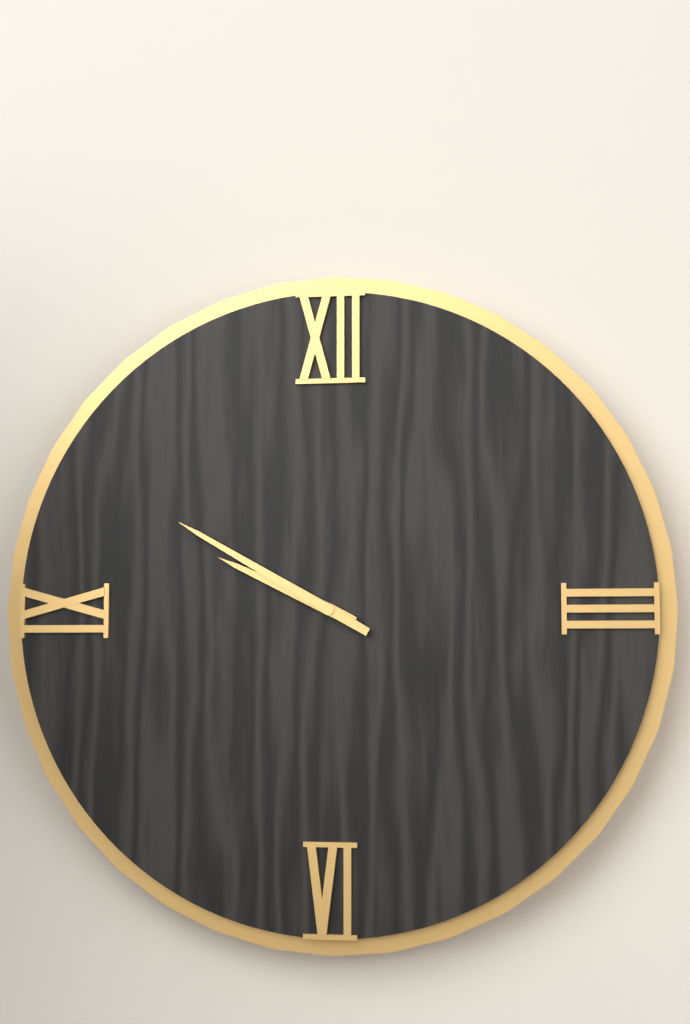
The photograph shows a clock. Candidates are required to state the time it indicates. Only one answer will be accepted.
9:50
